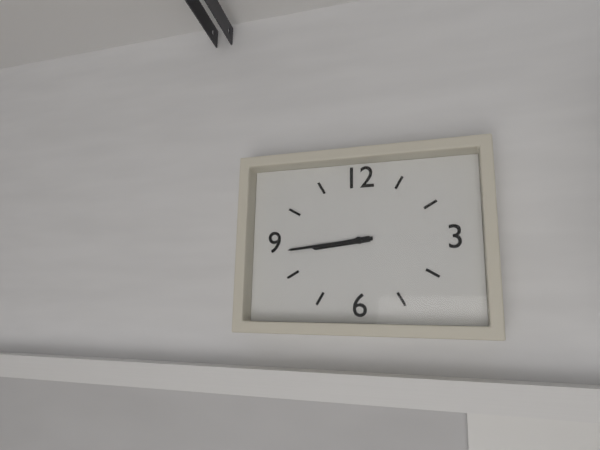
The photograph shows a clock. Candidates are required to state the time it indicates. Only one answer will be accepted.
8:44
